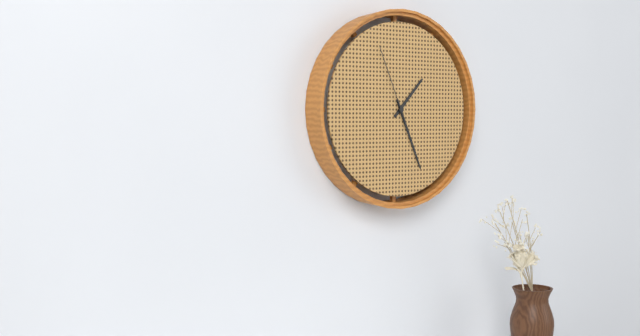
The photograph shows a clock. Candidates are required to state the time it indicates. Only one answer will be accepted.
1:26:56
